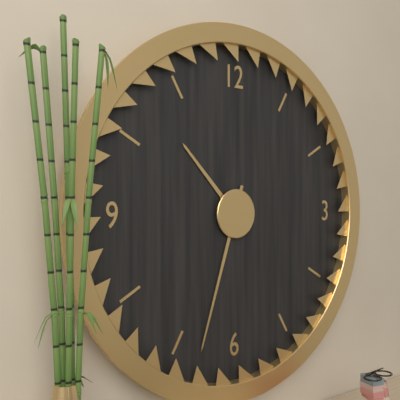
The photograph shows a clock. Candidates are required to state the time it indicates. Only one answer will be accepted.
10:33
